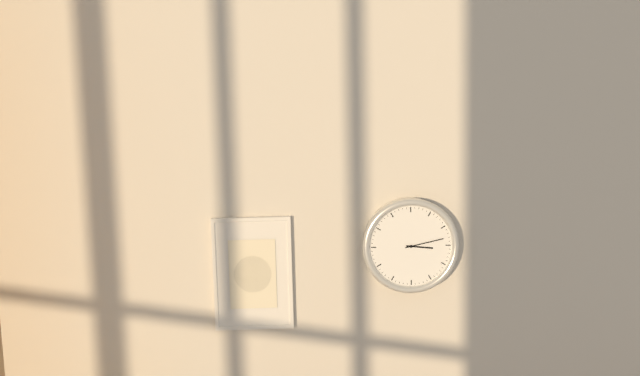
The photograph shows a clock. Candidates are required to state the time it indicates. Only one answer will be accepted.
3:13
